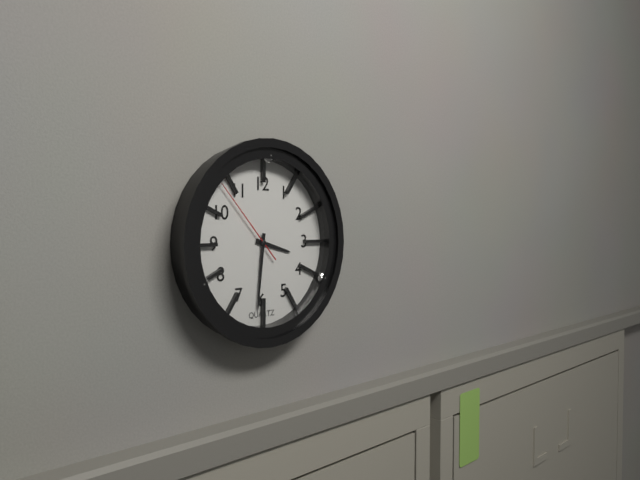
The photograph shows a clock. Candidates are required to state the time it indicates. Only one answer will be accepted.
3:31:53
